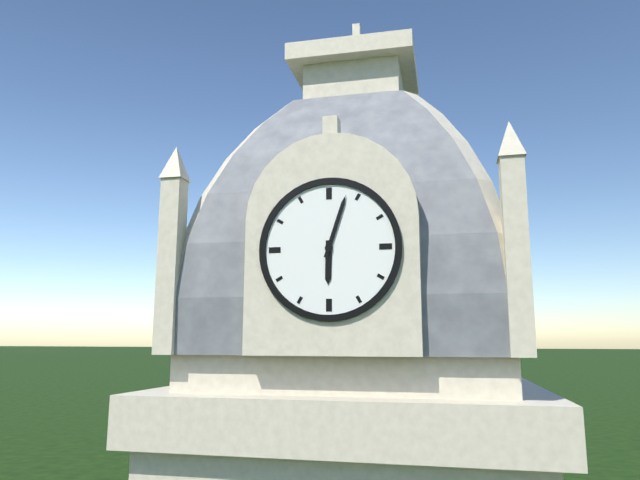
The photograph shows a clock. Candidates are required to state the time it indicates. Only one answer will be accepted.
6:03
